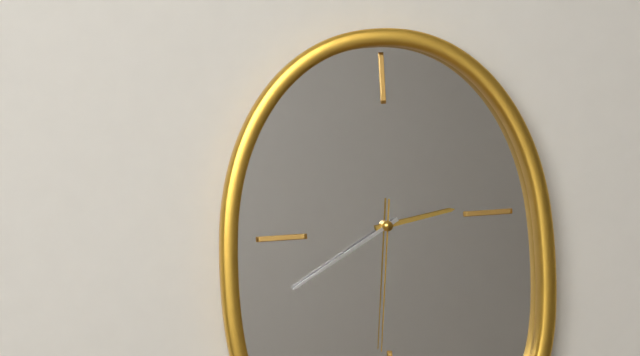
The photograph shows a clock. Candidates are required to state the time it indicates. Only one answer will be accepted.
2:40:31
